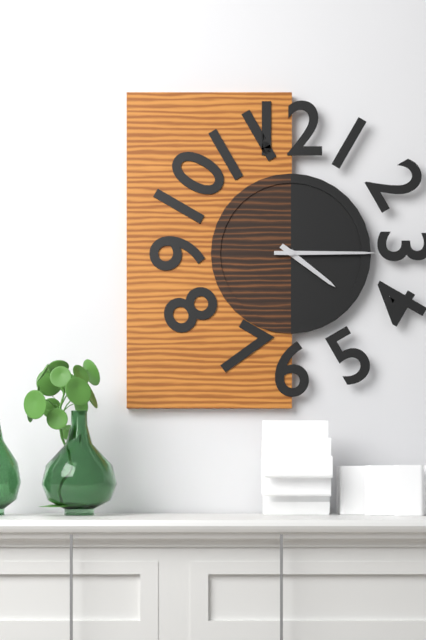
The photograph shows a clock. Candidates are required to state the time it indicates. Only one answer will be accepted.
4:15
